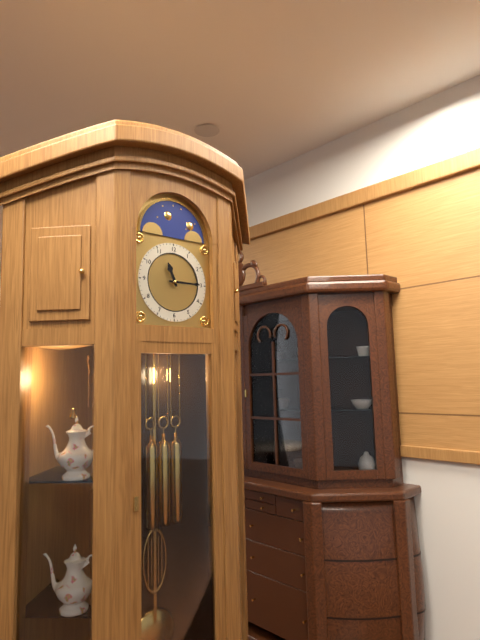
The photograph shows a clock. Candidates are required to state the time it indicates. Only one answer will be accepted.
11:15
